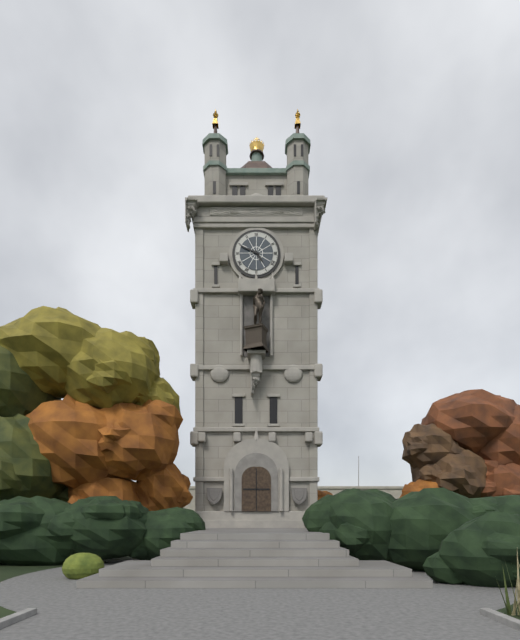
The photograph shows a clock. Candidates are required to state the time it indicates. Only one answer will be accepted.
4:49
